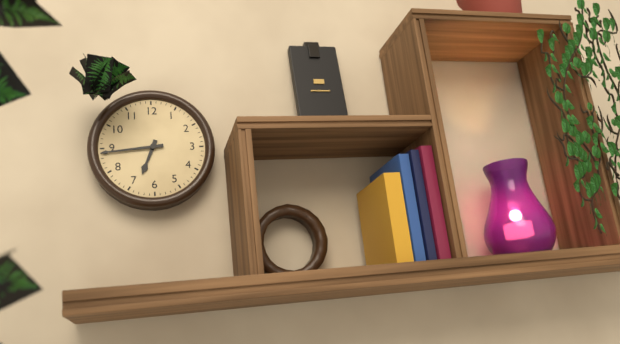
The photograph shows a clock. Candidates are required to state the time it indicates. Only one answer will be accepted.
6:44
